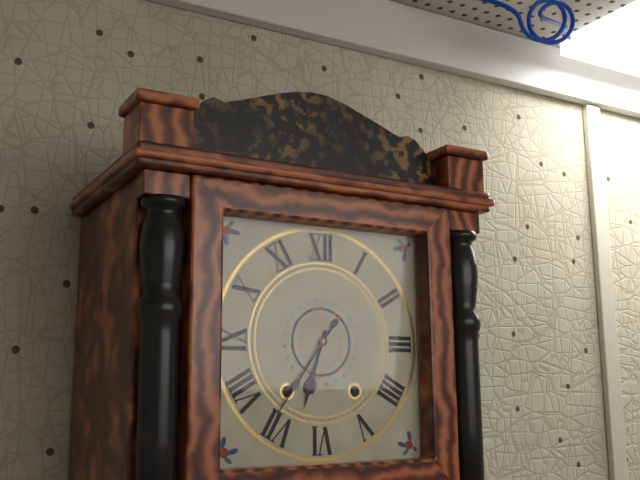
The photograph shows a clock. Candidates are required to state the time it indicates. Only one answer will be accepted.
6:36
